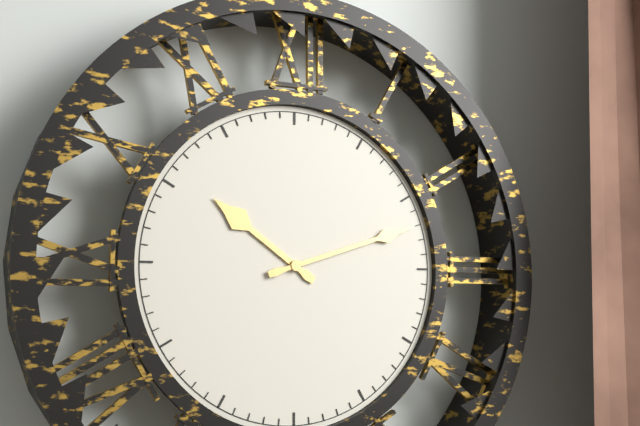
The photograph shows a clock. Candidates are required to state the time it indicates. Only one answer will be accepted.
10:12
